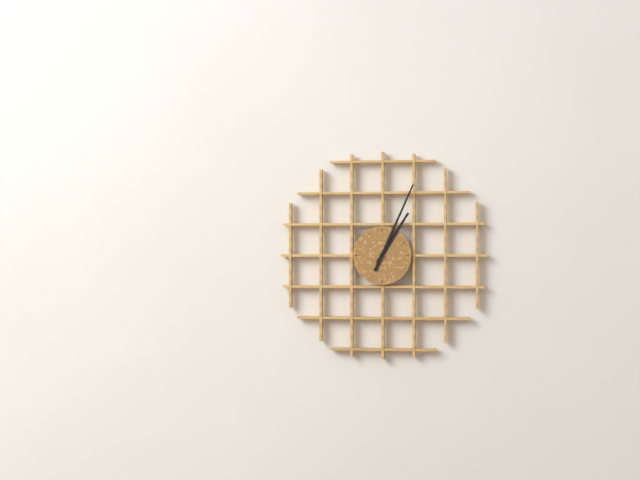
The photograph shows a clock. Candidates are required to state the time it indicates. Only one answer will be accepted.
1:04
